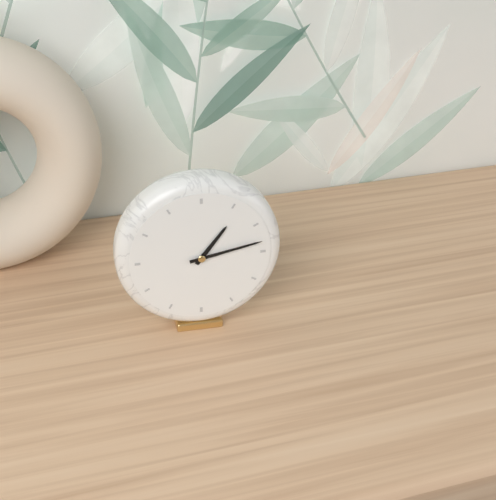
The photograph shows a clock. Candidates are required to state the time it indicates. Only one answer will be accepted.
1:13
